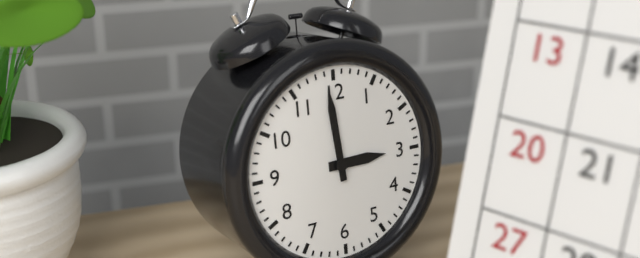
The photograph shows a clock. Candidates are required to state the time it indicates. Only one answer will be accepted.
2:59
